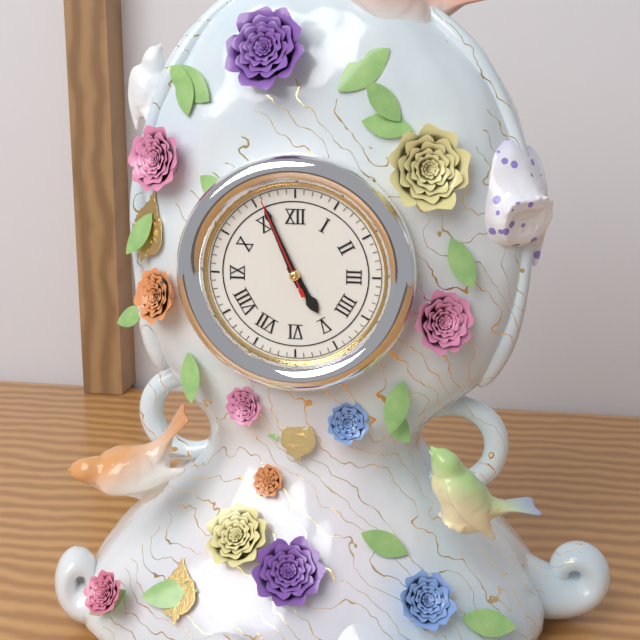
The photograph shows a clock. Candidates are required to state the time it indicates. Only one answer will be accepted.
4:56:56
